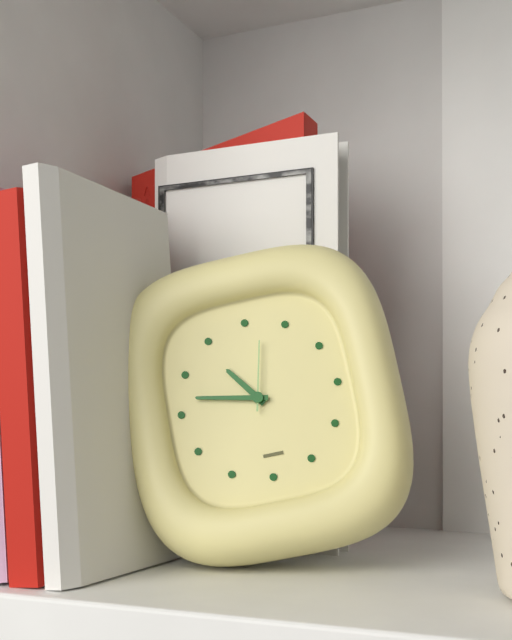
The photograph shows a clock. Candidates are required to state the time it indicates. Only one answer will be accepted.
10:47:02
